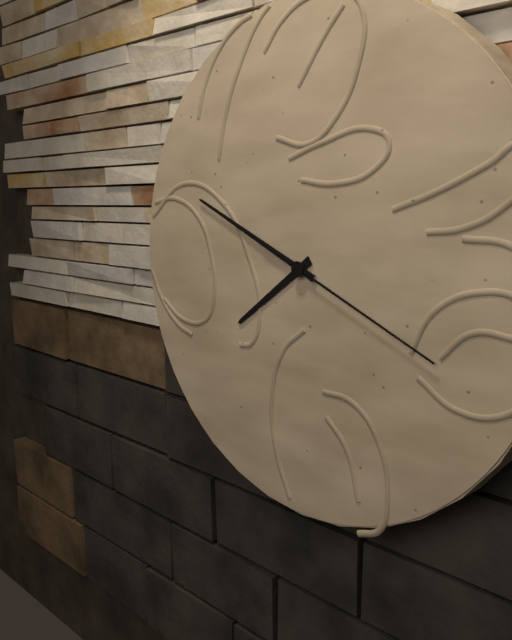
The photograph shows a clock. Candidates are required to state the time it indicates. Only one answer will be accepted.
7:49:19
